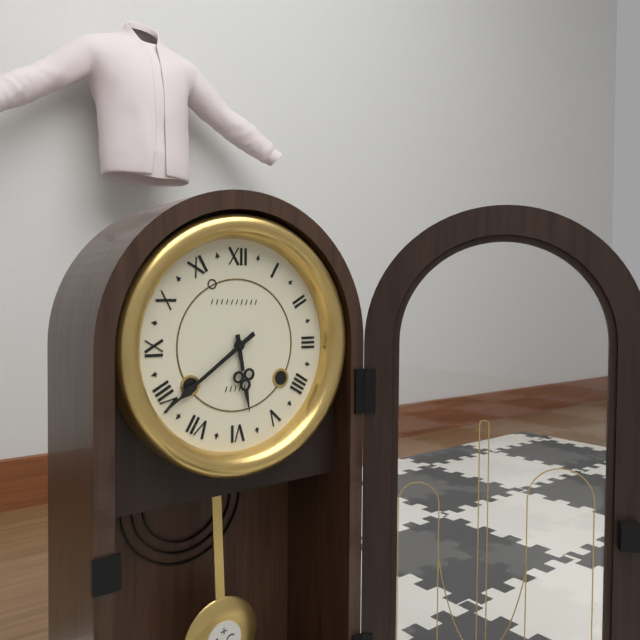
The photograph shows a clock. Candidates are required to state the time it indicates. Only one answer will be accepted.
5:39
